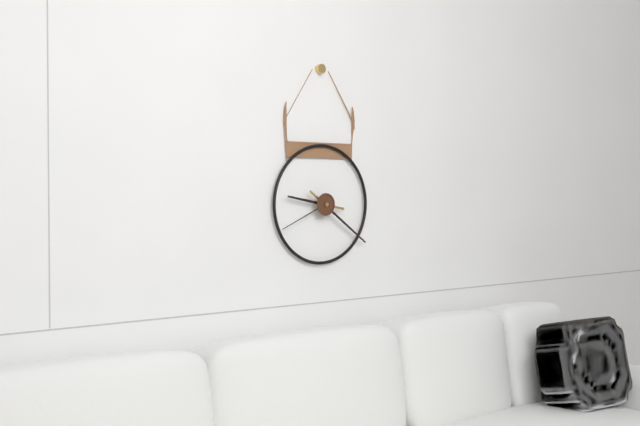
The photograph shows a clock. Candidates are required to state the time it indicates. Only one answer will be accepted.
9:21:41
